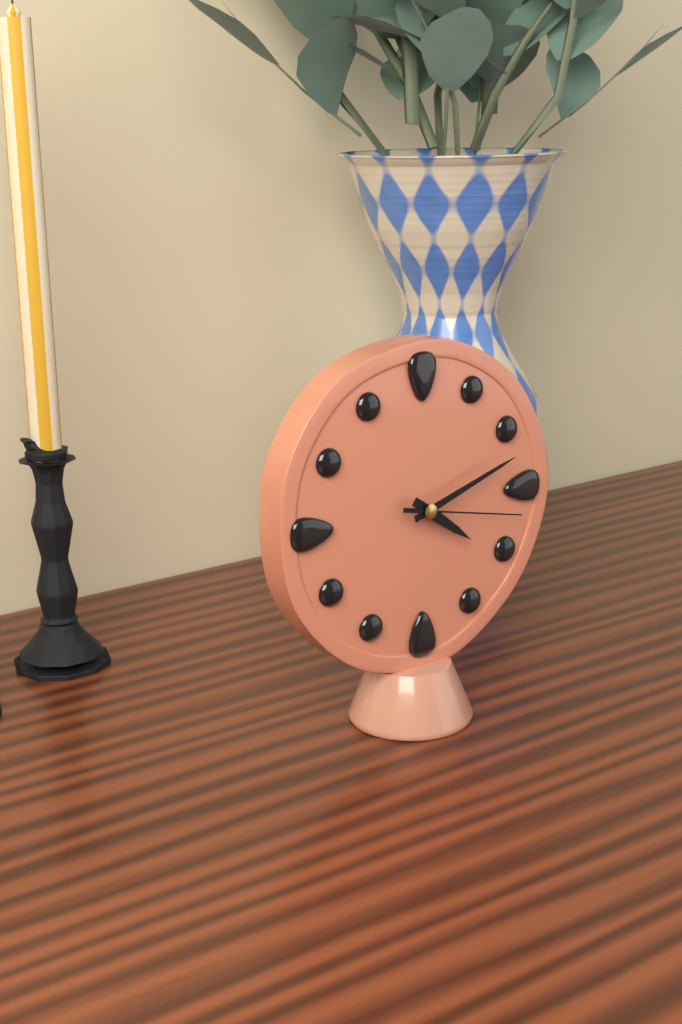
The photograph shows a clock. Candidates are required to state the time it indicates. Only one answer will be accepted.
4:12:17
